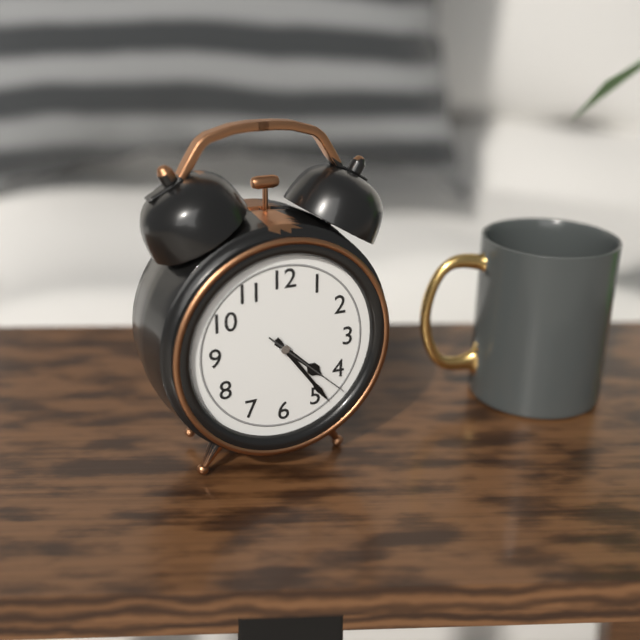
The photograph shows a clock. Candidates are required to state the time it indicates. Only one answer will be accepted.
4:24:22
